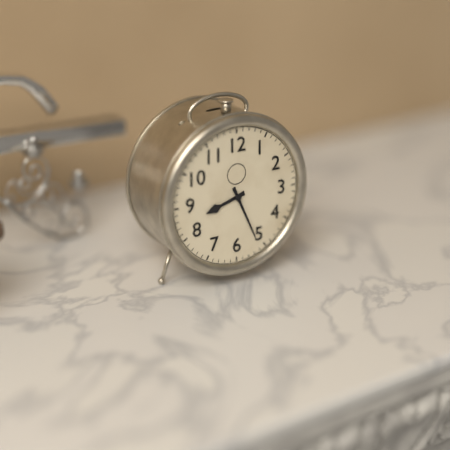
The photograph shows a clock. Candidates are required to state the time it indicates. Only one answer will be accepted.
8:26
